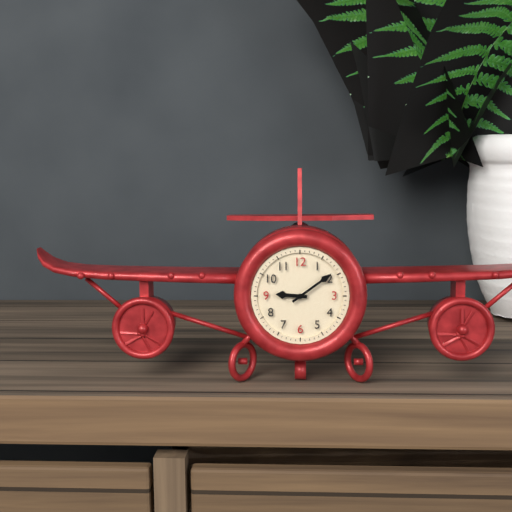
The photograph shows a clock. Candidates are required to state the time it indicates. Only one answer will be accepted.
9:09
